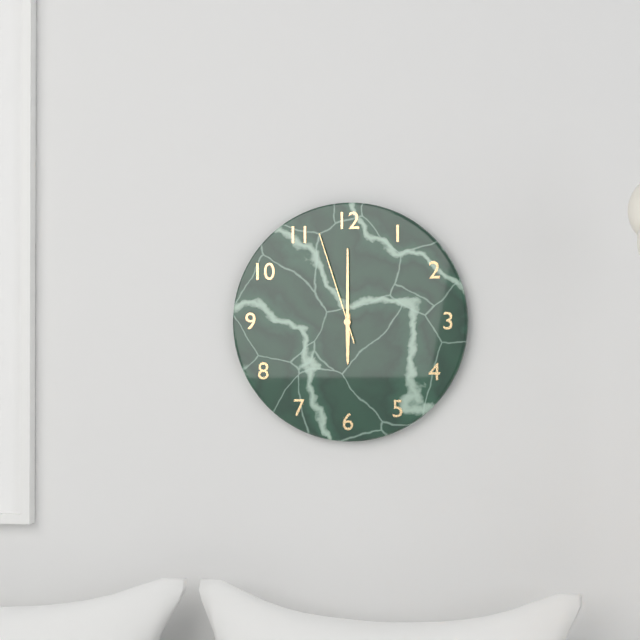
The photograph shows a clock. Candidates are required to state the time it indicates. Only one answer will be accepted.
6:00:57
